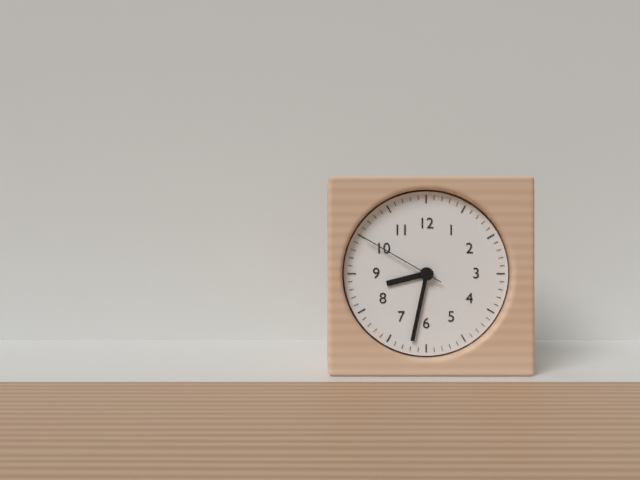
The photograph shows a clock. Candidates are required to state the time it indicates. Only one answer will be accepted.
8:32:50
